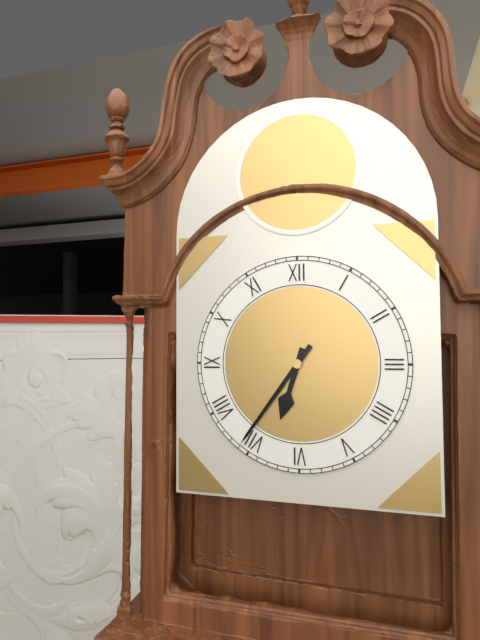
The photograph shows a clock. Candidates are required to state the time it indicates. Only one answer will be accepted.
6:36
